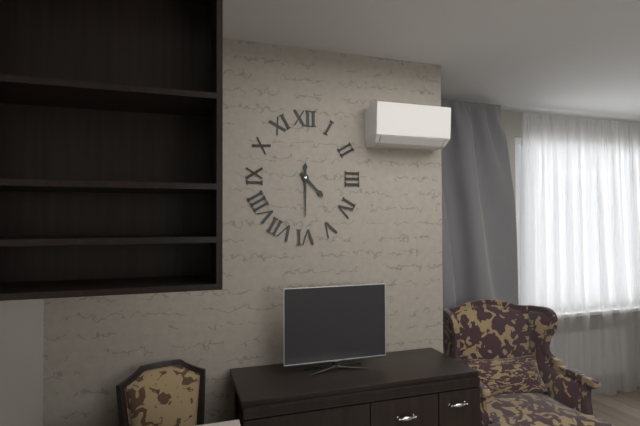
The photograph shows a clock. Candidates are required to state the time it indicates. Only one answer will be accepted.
4:30
